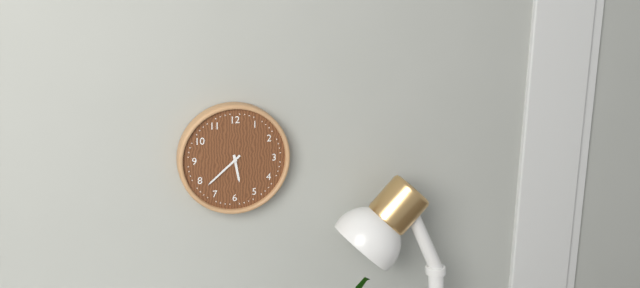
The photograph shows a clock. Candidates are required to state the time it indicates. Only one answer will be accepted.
5:38
